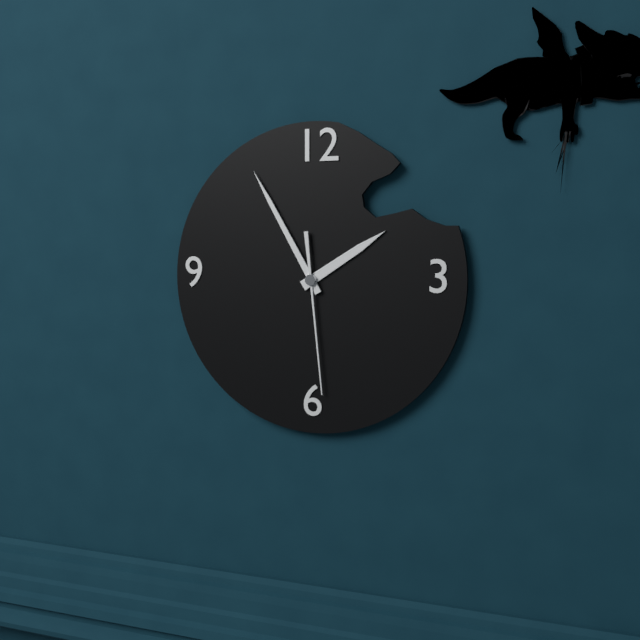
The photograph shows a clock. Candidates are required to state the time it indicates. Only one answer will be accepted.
1:55:29
